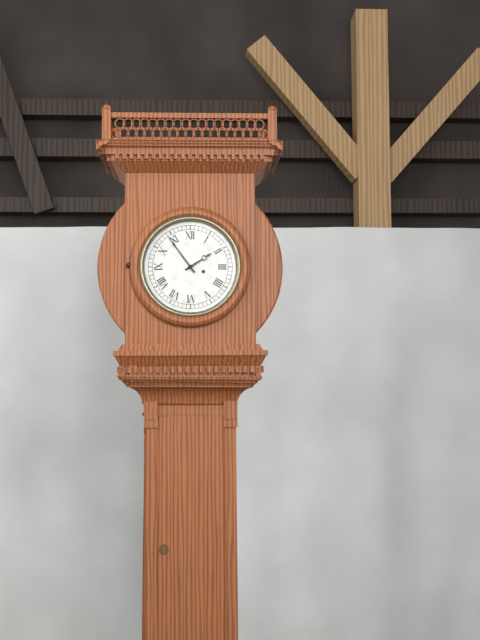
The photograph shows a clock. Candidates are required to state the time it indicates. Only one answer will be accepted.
1:54
